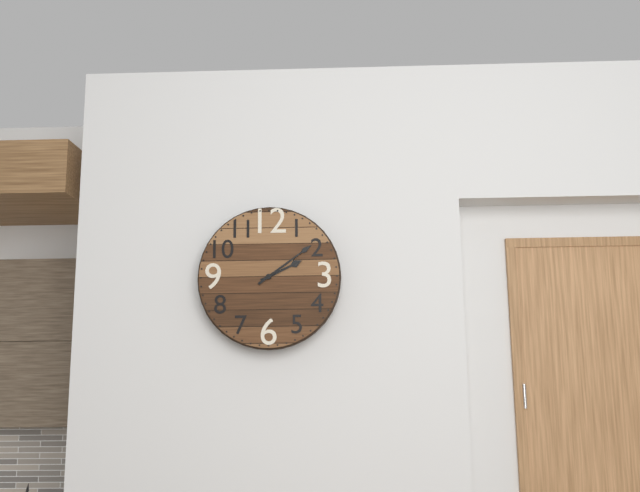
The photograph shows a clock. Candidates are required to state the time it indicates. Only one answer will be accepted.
2:09
